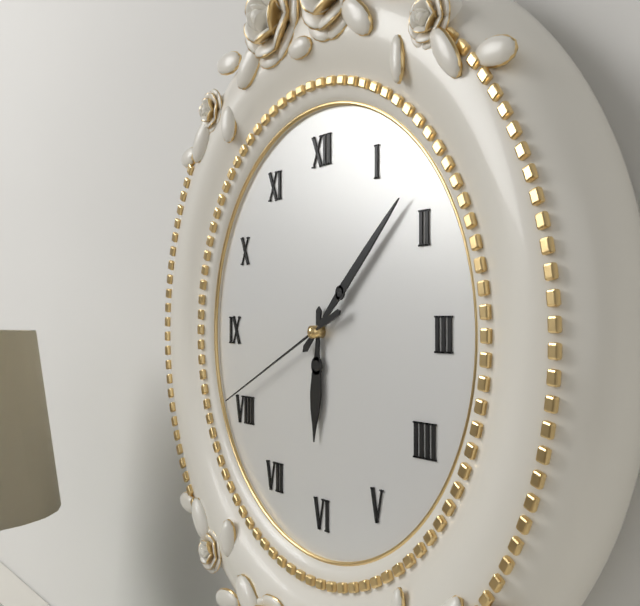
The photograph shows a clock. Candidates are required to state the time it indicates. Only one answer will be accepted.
6:08:41
